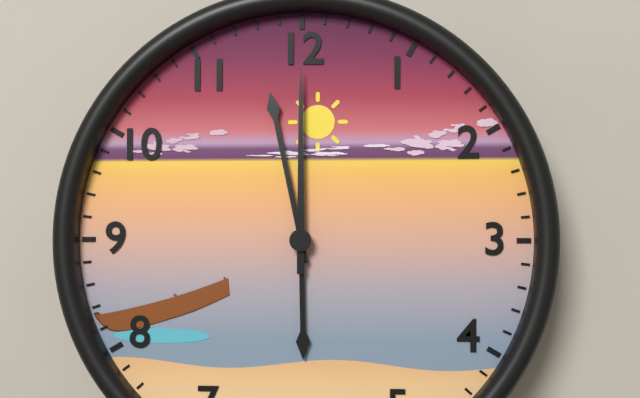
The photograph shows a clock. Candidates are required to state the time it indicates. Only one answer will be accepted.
5:58:00
